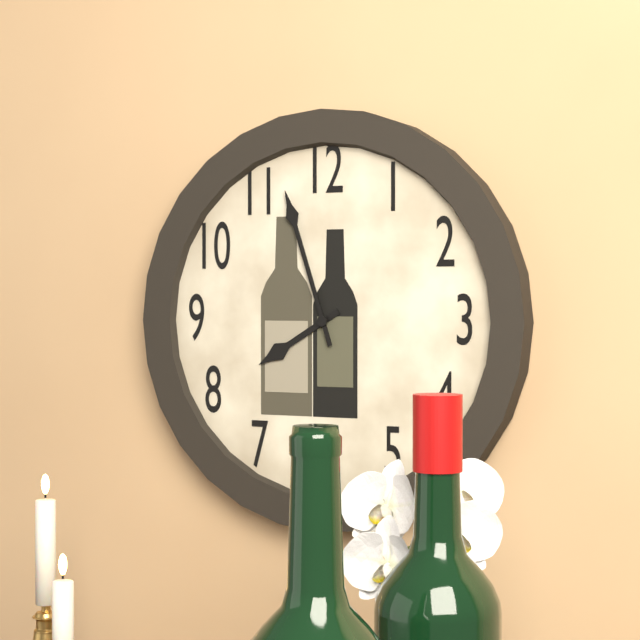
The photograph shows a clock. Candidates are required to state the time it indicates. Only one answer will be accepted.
7:57
